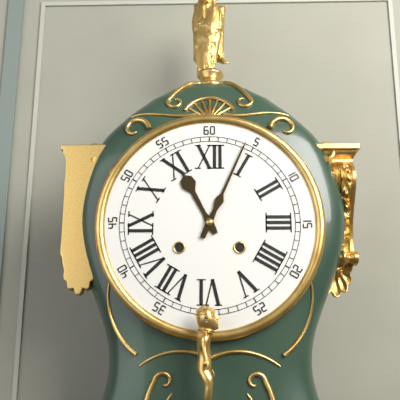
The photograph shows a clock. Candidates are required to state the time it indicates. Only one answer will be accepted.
11:04
